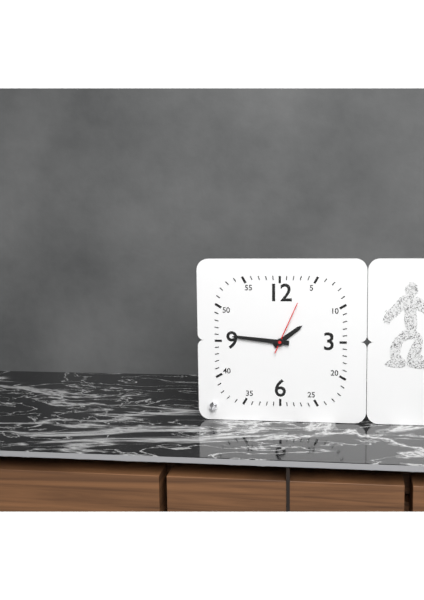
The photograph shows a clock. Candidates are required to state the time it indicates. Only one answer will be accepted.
1:46:04
